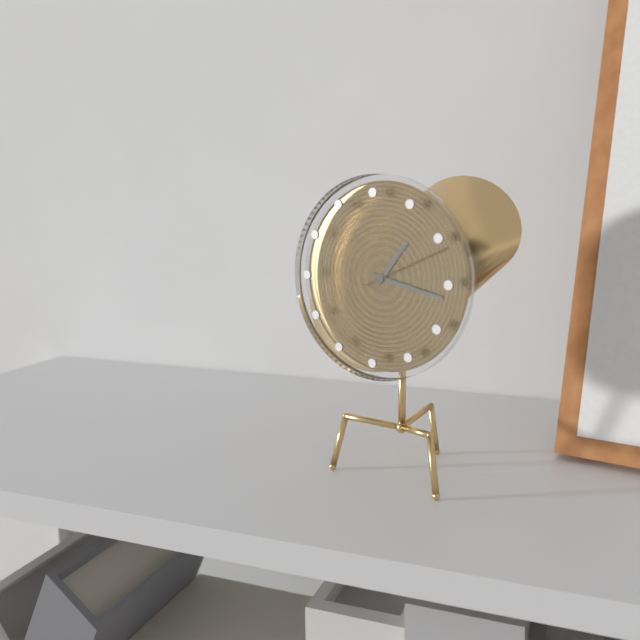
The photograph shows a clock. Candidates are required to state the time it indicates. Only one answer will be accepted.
1:17:11
